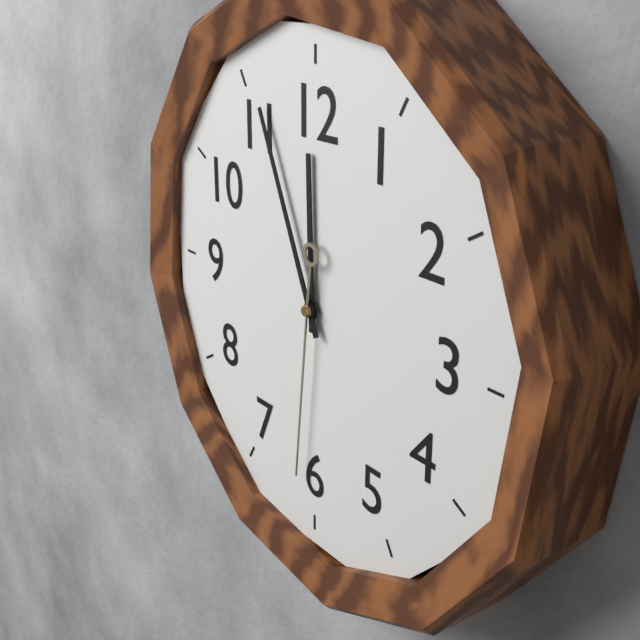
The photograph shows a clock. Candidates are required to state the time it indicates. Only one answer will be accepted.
11:56:31
